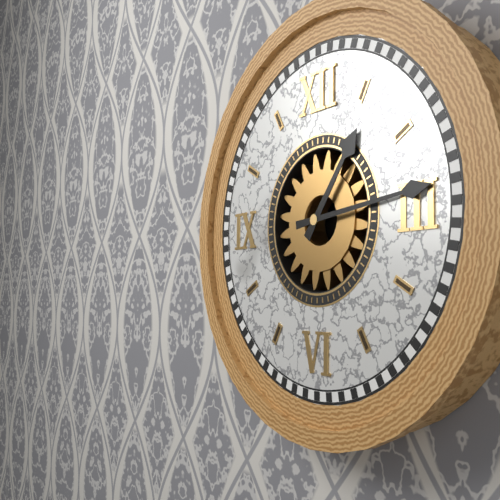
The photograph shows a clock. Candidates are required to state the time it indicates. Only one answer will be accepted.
1:14
